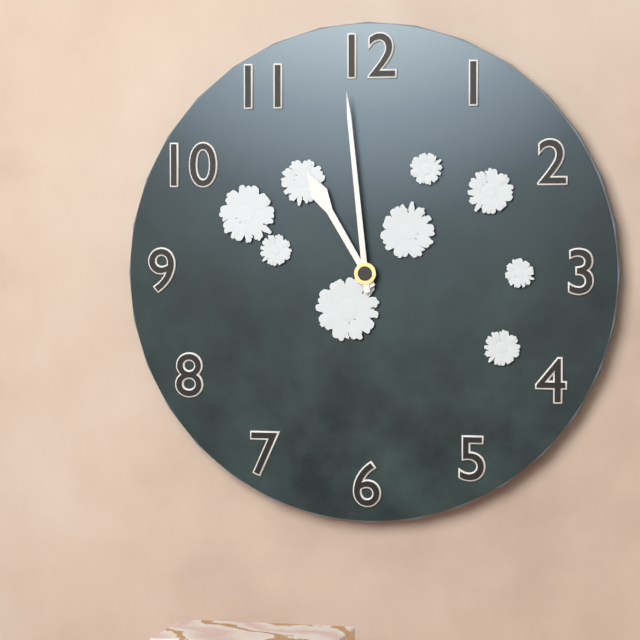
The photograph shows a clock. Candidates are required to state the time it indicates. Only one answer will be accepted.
10:59
